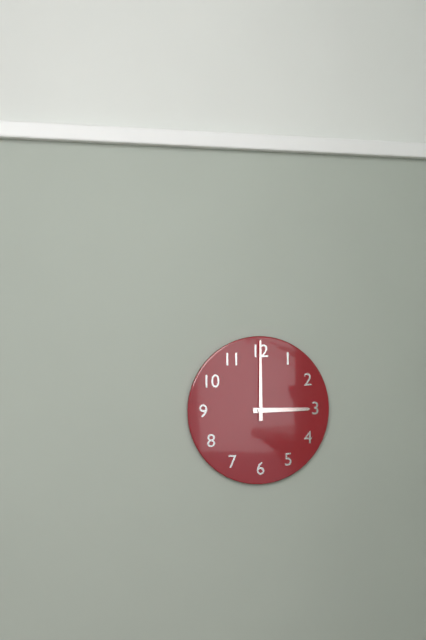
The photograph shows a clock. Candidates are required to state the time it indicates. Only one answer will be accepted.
3:00
